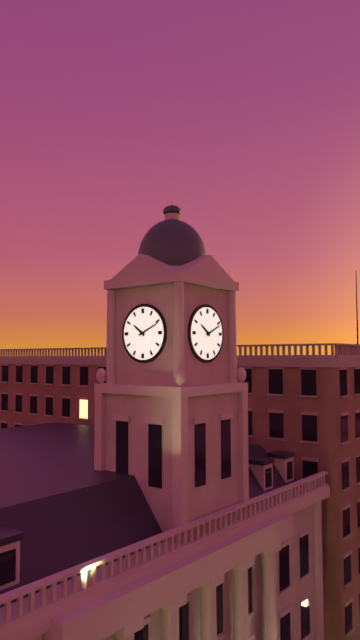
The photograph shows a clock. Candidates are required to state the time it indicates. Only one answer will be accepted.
10:11
